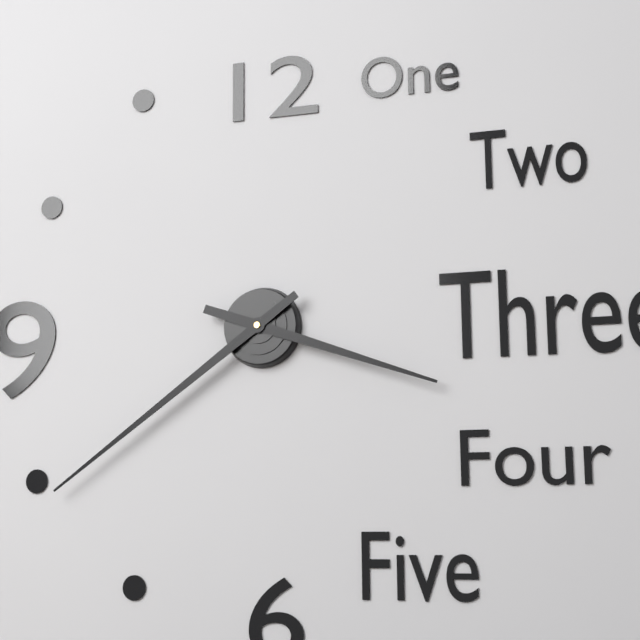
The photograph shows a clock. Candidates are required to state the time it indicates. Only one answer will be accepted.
3:39
